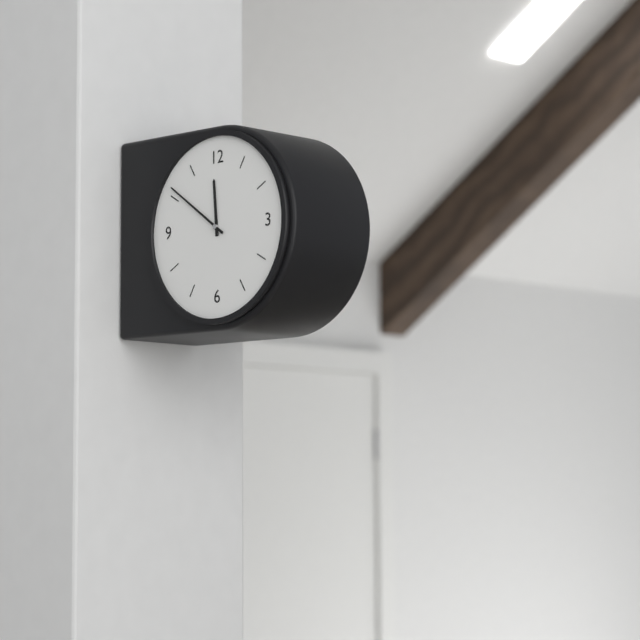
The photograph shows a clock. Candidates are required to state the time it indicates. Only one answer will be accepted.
11:51
